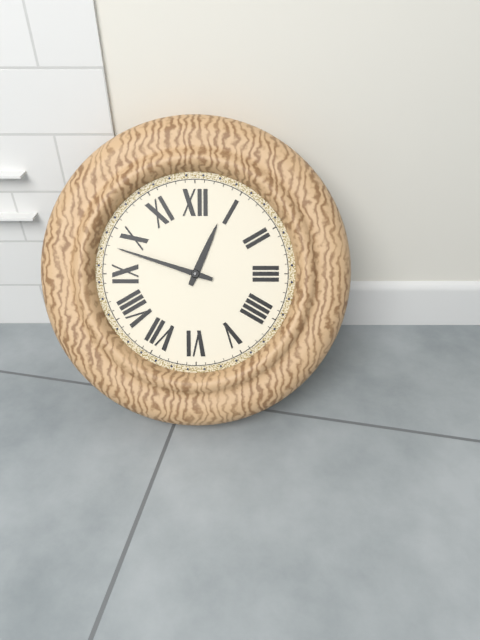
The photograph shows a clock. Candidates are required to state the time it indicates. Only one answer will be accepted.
12:48
